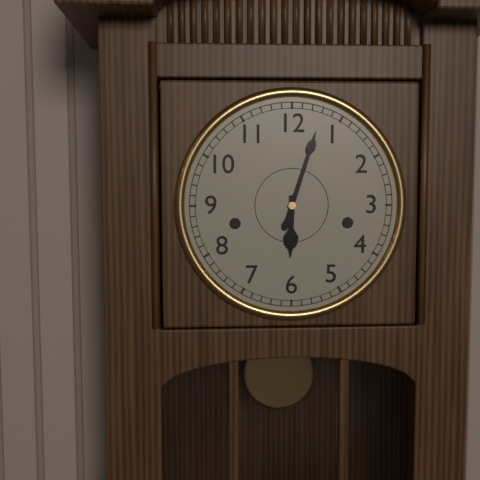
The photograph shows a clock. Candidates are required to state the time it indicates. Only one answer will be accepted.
6:03
